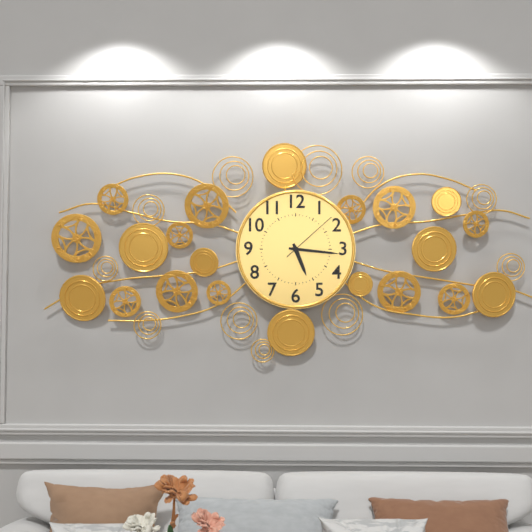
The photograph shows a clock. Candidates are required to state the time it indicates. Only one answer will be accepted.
5:16:08
